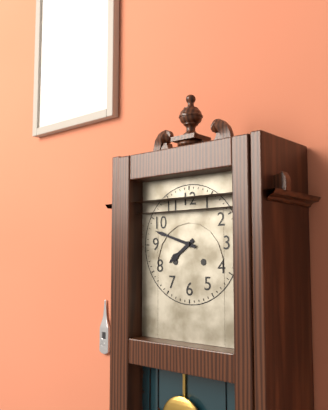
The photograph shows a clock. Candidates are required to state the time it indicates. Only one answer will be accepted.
7:48
